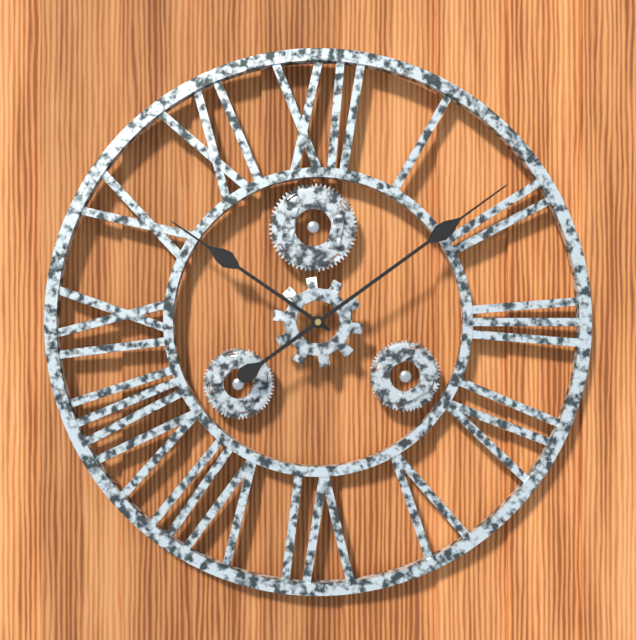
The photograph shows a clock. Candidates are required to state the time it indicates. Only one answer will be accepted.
10:09
